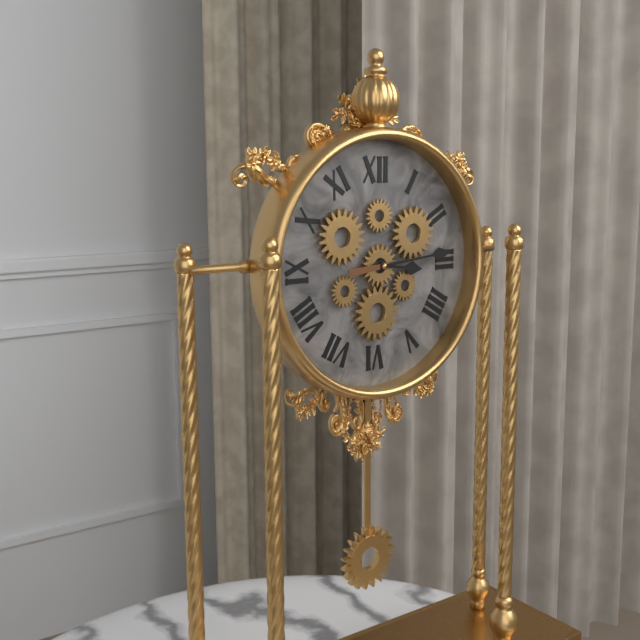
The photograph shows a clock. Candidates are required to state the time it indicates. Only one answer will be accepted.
3:14
